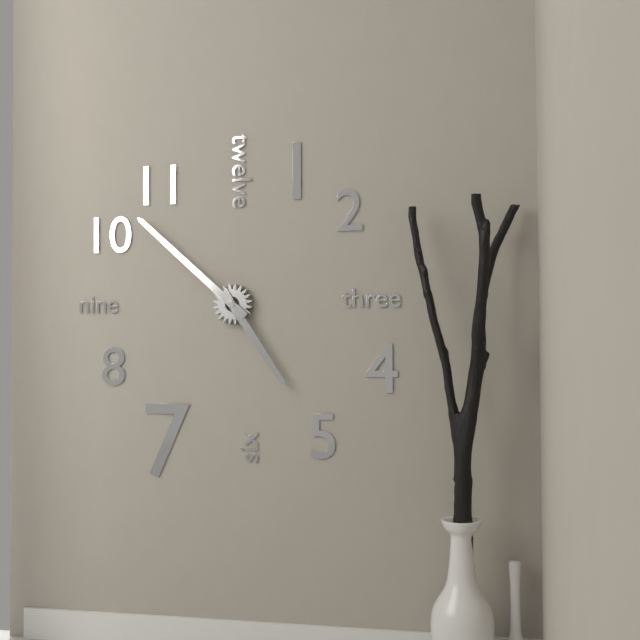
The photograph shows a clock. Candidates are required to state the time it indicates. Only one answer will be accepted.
4:52
